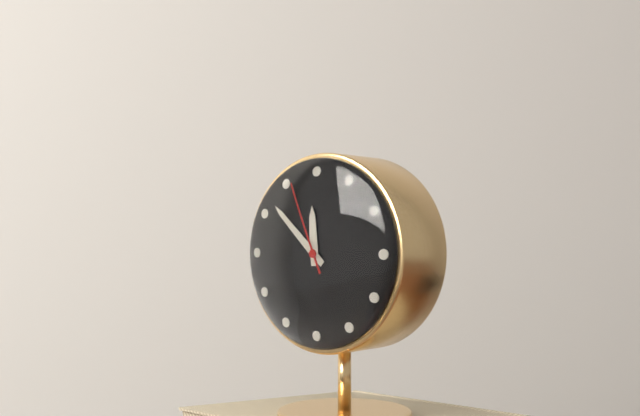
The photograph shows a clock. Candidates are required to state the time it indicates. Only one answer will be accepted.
11:52:56
